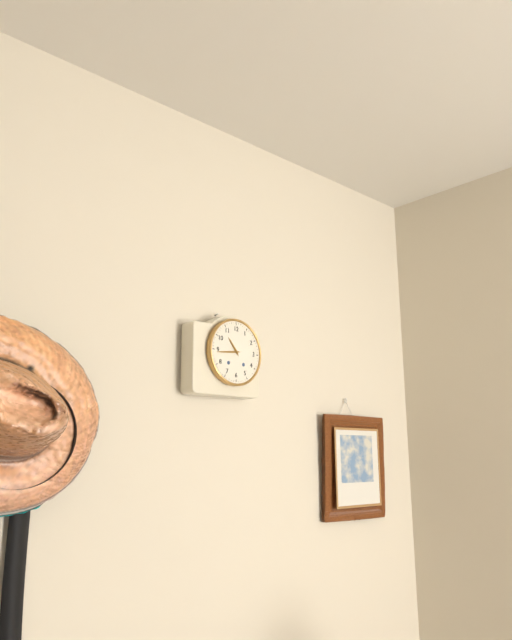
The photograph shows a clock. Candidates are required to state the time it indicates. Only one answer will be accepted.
10:44
